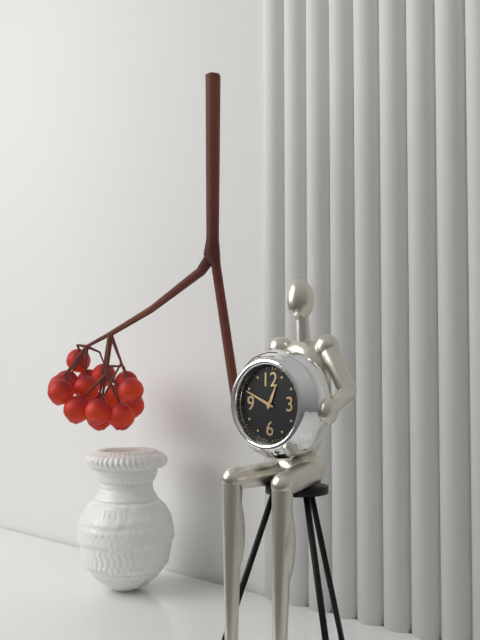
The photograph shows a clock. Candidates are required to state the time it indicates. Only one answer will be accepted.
12:49
